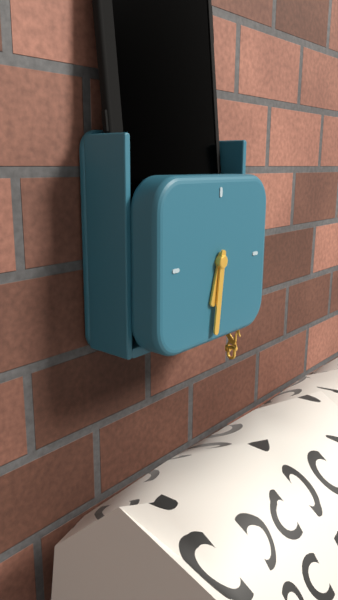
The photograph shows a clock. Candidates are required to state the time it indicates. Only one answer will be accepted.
6:31
